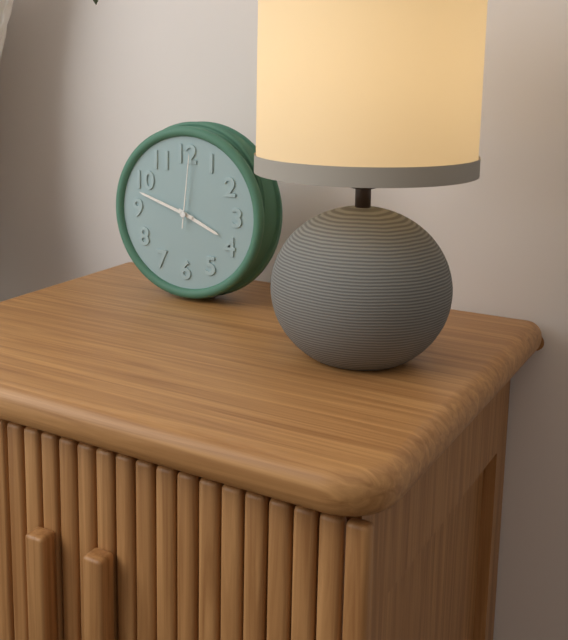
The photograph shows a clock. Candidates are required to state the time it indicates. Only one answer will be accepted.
3:48:01
